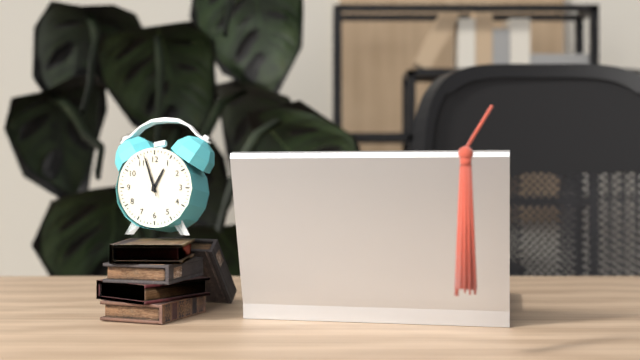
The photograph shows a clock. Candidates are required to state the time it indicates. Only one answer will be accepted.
12:57
